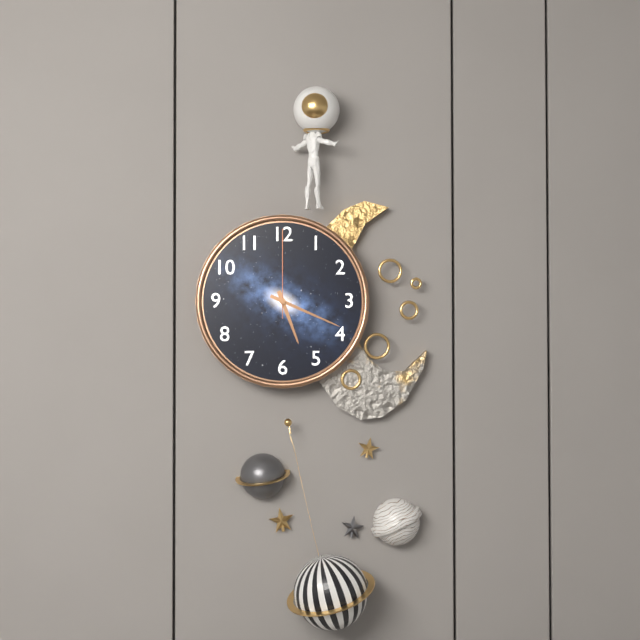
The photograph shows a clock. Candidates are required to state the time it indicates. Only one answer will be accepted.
5:19:00
